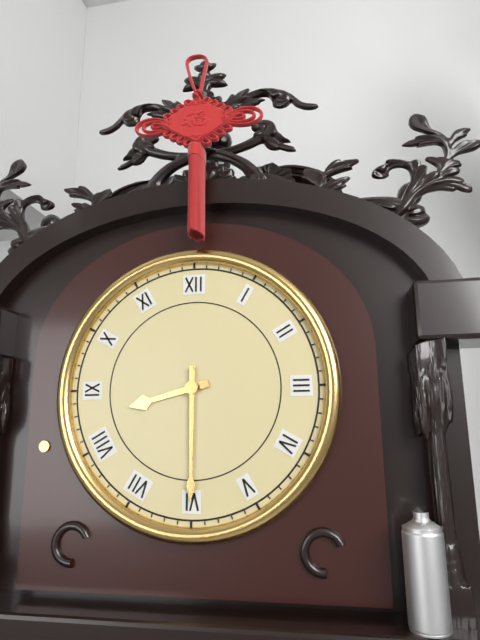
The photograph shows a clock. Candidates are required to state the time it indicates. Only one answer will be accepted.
8:30
